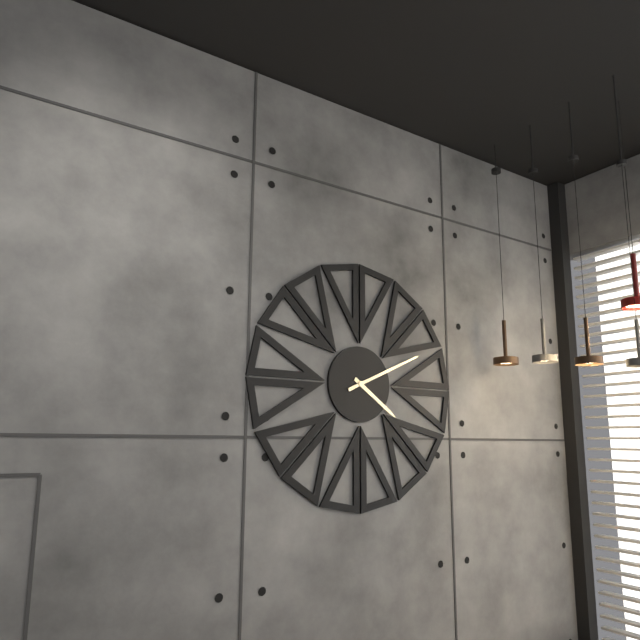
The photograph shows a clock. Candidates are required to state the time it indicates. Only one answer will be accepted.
4:11
